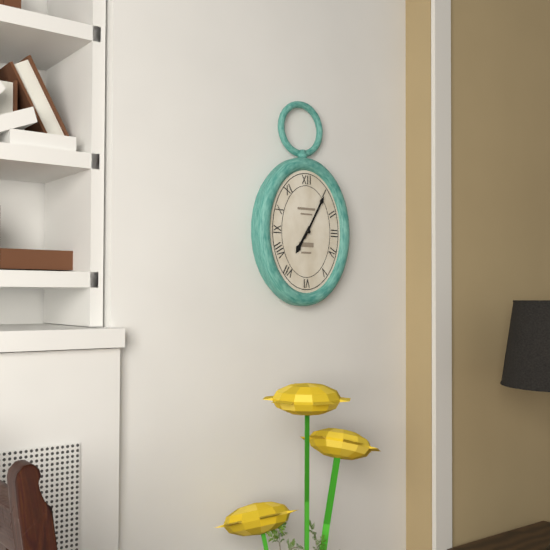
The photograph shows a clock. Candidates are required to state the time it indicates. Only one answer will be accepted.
7:05
